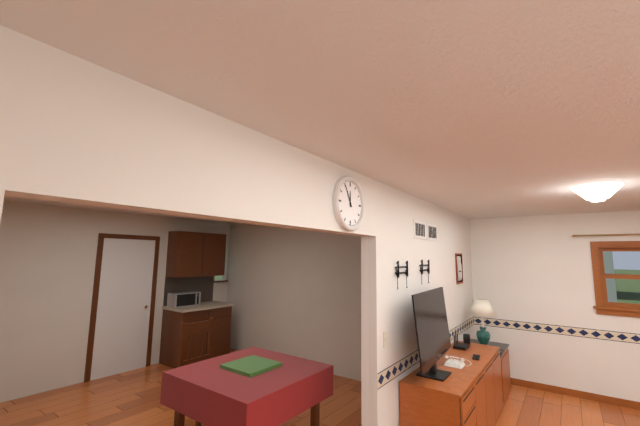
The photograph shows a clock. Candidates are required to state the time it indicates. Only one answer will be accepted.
11:55
